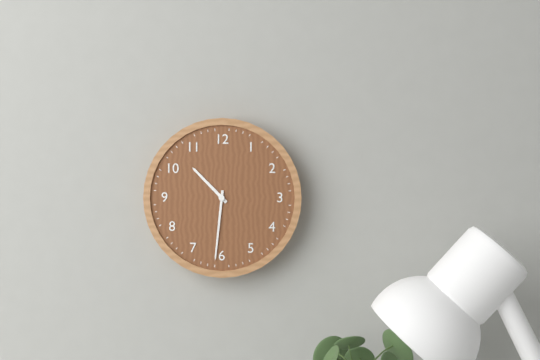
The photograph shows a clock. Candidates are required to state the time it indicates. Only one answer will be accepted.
10:31
